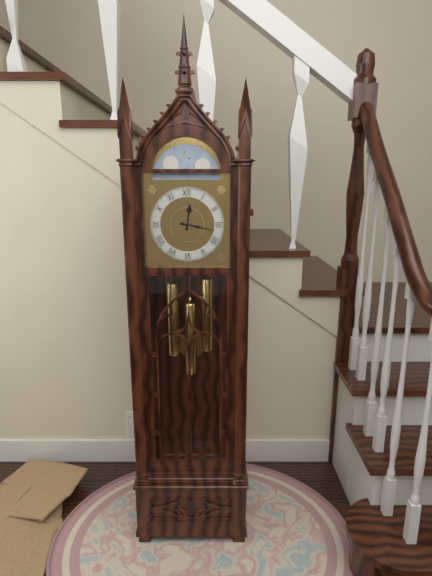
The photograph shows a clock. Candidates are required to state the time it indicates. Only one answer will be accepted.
12:17
